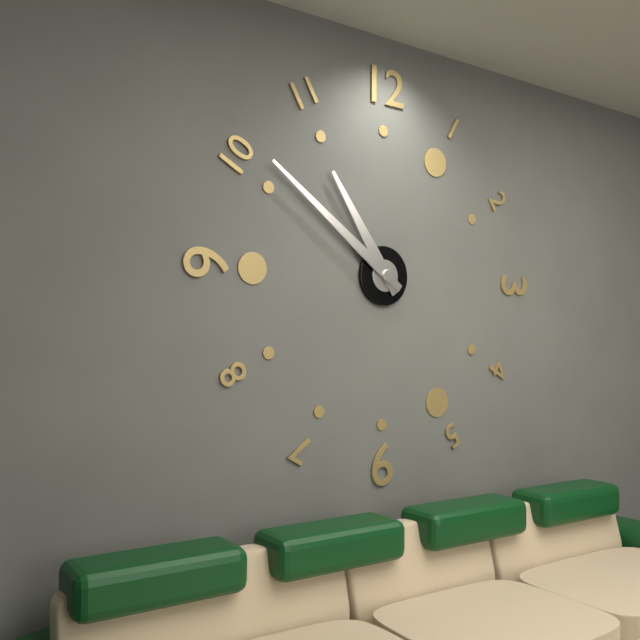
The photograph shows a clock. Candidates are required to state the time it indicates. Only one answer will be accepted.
10:51
